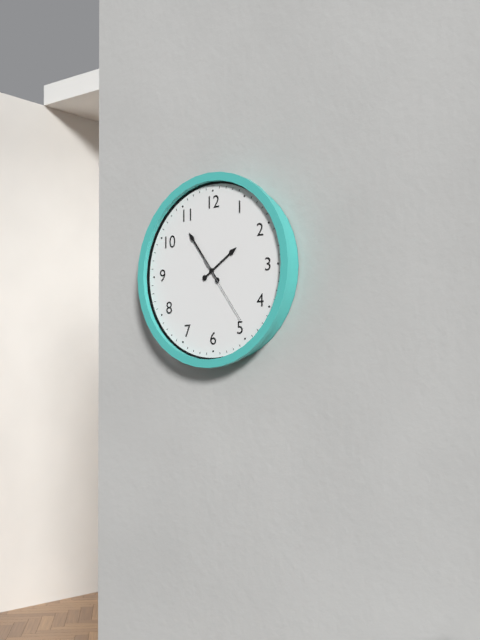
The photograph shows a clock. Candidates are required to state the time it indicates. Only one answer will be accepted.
1:54:24
